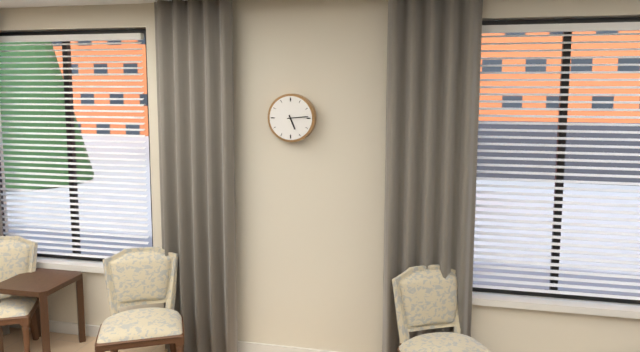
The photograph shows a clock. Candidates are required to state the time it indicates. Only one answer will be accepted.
5:14
